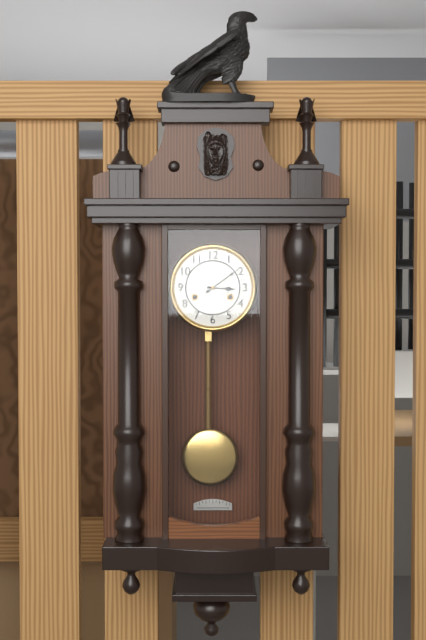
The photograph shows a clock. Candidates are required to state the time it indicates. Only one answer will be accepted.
3:09
